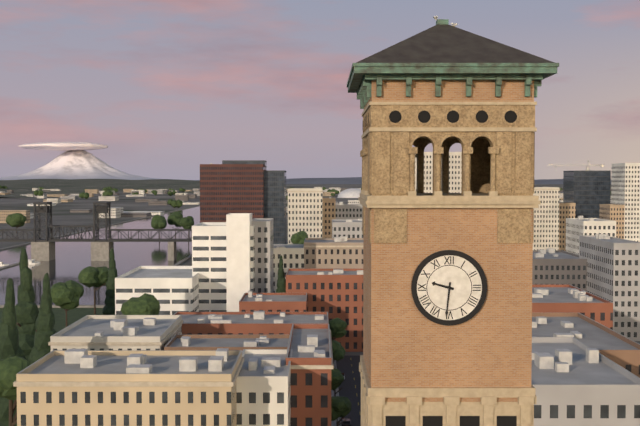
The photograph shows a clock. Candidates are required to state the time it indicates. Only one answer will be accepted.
9:31
